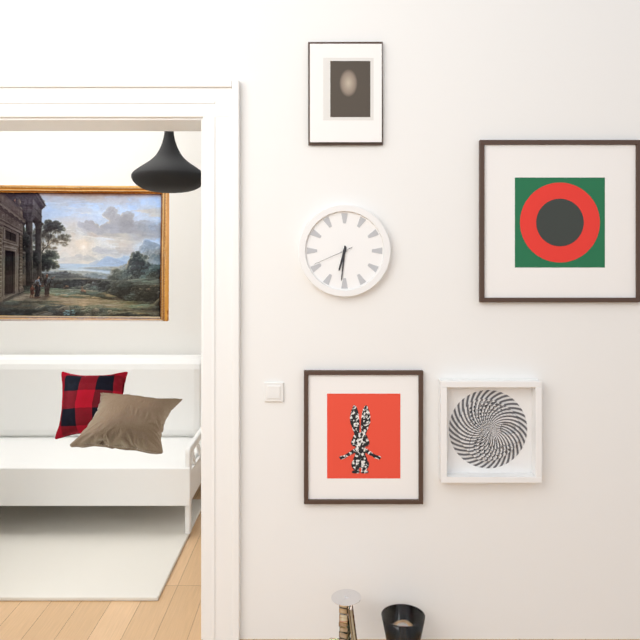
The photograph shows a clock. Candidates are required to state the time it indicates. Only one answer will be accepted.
6:31
